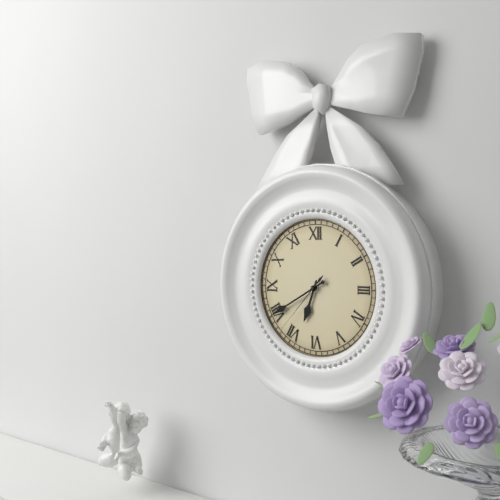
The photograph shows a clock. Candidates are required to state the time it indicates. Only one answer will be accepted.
6:40:37
